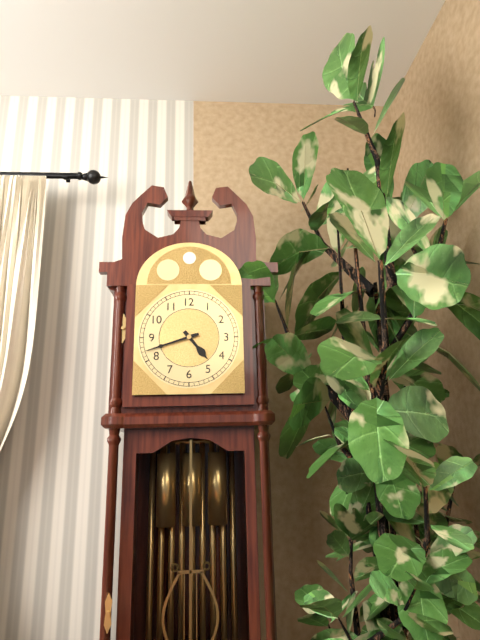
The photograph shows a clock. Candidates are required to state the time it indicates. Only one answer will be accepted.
4:42
